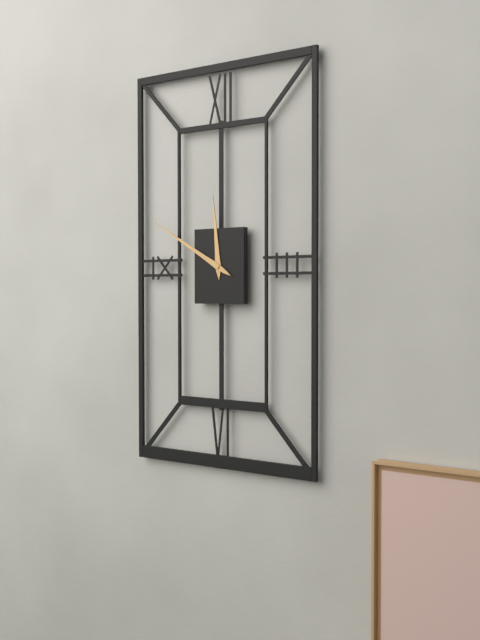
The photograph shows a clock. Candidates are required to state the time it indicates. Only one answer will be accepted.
11:50
